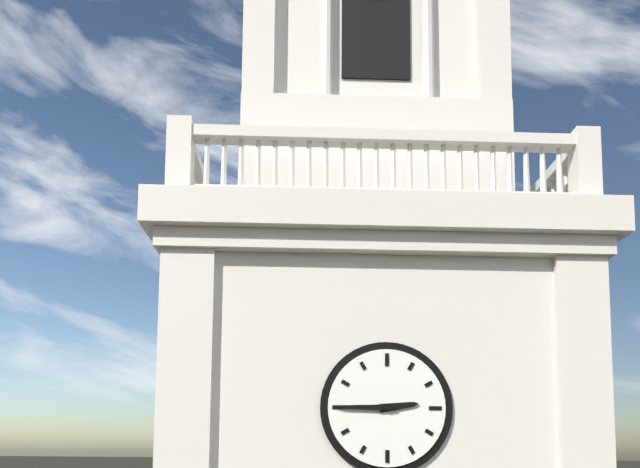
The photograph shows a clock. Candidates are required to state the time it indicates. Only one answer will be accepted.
2:45
